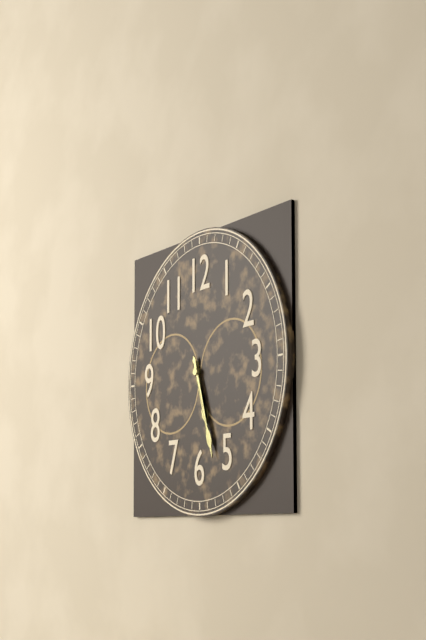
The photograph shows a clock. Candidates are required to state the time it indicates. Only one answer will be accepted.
5:27
